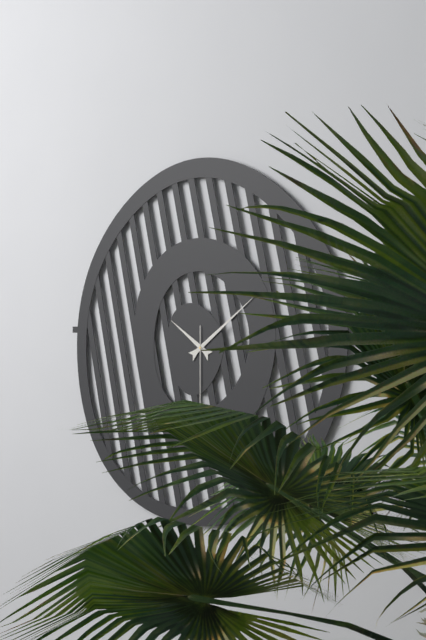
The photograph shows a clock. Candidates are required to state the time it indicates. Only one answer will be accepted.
10:09
